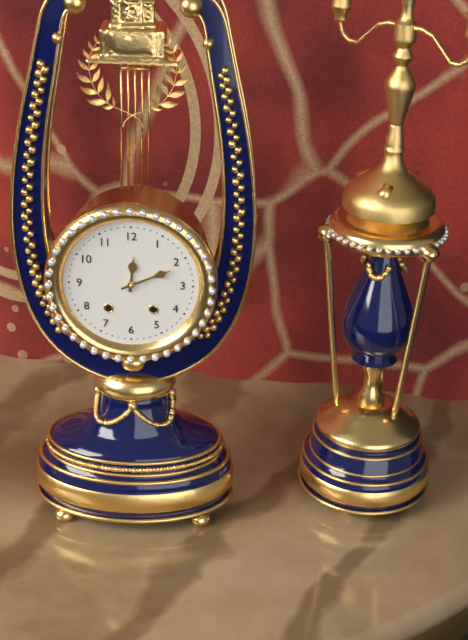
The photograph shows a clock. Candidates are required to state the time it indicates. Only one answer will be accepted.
12:11
